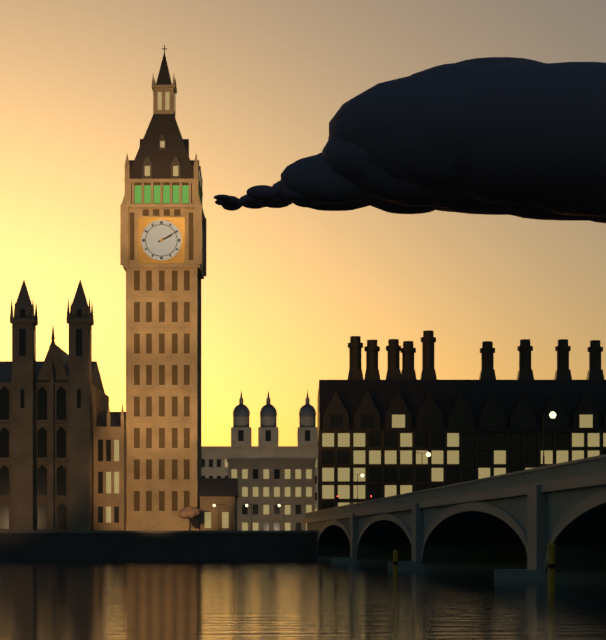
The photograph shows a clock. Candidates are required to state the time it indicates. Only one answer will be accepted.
2:10
